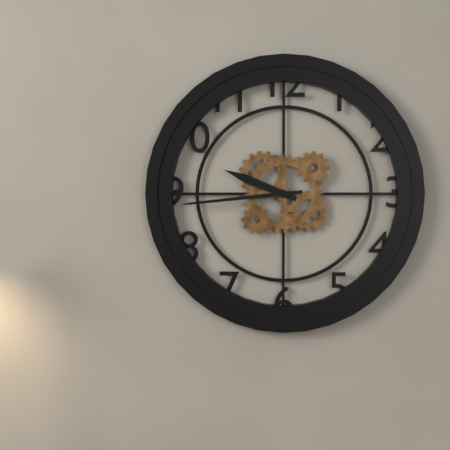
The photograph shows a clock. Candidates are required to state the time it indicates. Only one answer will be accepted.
9:44
